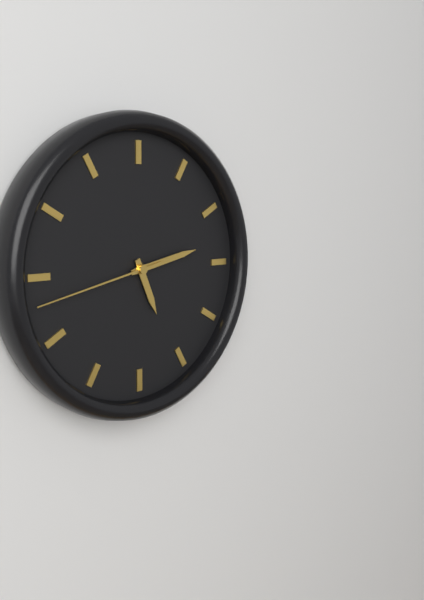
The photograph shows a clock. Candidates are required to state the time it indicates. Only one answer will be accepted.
5:13:43
